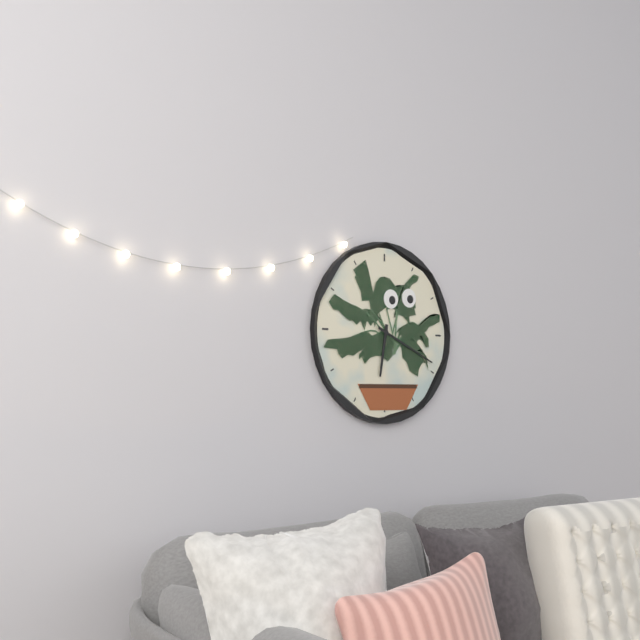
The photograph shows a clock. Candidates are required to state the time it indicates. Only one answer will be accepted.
6:19
